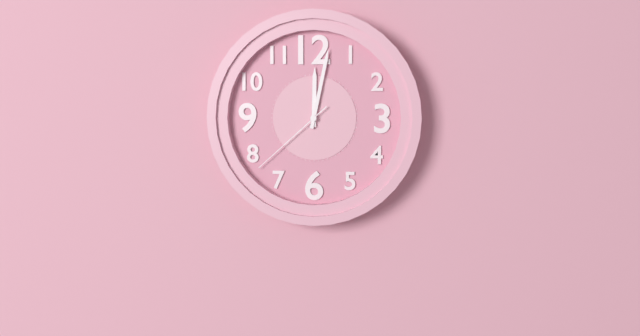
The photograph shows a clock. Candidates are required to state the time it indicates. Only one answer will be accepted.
12:02:38
